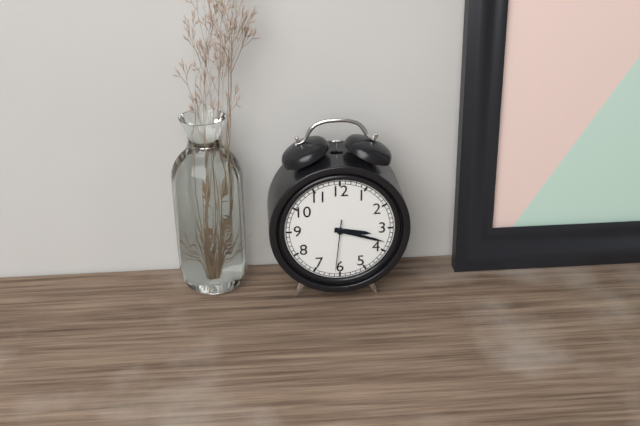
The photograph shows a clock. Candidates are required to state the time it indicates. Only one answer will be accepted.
3:18:31
